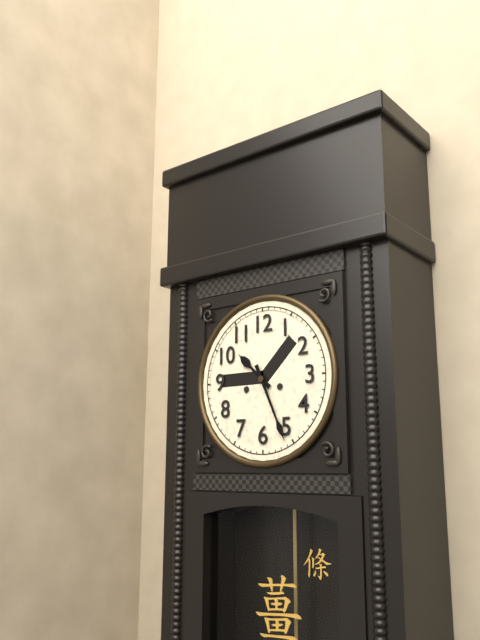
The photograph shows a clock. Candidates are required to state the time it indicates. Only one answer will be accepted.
10:26
